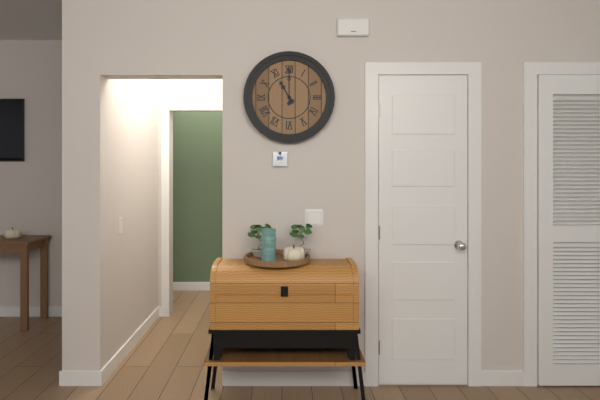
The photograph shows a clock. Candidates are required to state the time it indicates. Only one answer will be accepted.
11:00
